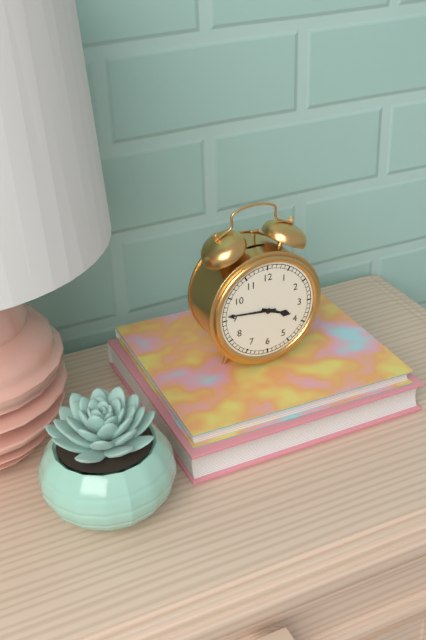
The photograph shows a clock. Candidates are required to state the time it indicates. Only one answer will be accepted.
3:46
